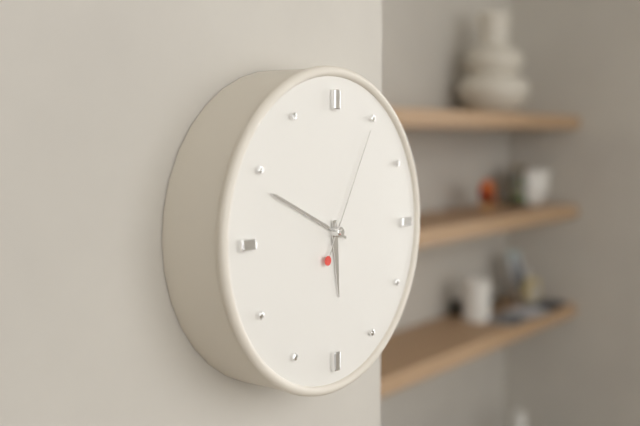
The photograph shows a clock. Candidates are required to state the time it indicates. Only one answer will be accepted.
5:49:05
